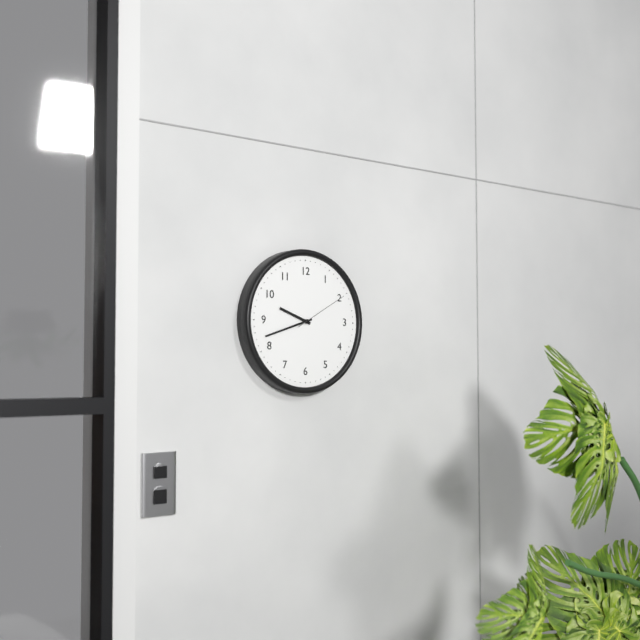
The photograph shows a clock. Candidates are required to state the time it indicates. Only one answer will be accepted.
9:42:10
